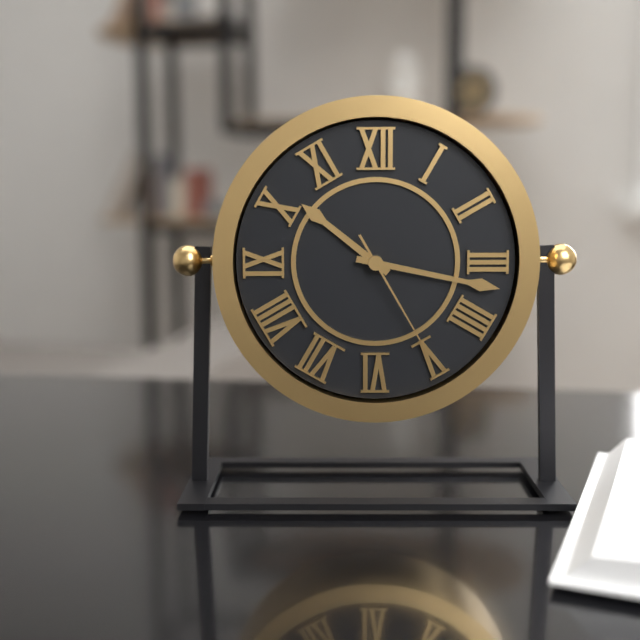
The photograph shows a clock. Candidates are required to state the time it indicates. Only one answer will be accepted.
10:17:25
